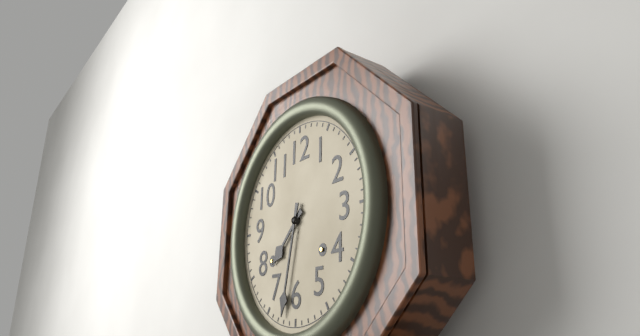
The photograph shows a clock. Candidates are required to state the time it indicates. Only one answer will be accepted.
7:32
